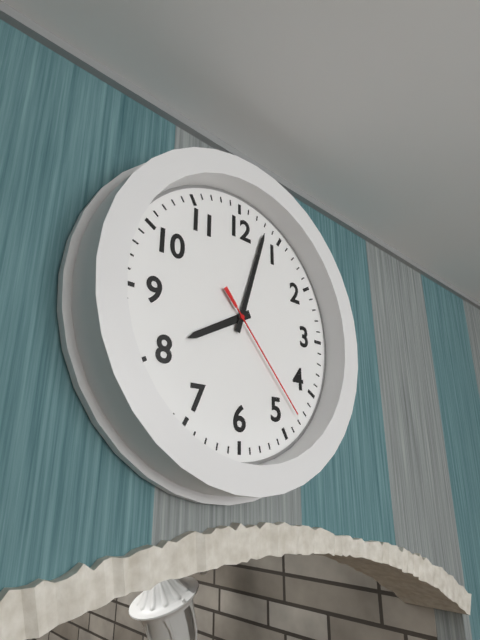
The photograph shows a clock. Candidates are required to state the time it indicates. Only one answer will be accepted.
8:03:23
